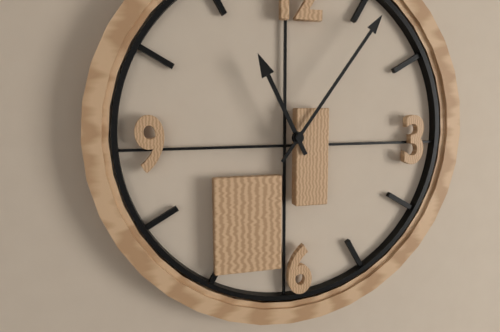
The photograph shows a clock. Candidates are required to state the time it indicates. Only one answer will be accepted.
11:06
